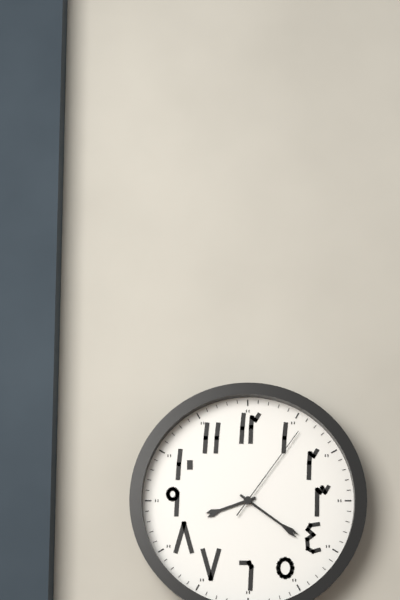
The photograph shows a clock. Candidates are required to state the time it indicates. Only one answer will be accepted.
8:21:06
